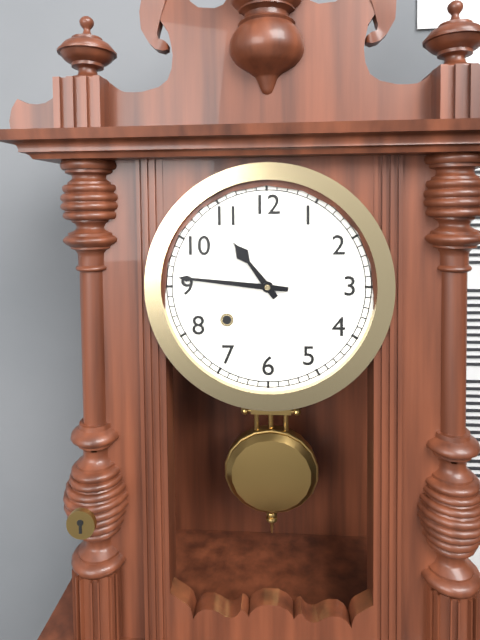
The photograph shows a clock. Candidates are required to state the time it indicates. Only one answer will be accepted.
10:46
